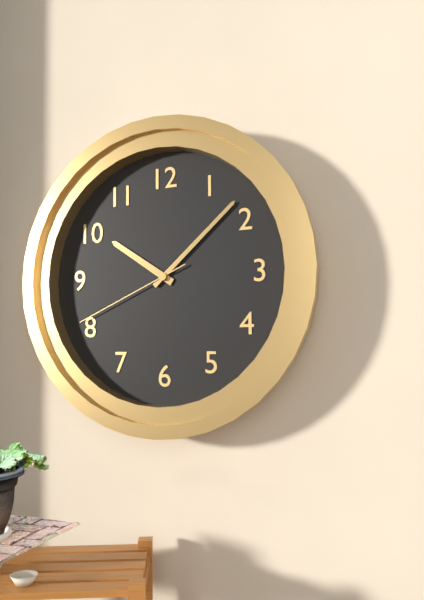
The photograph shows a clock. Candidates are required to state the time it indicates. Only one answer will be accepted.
10:08:41
